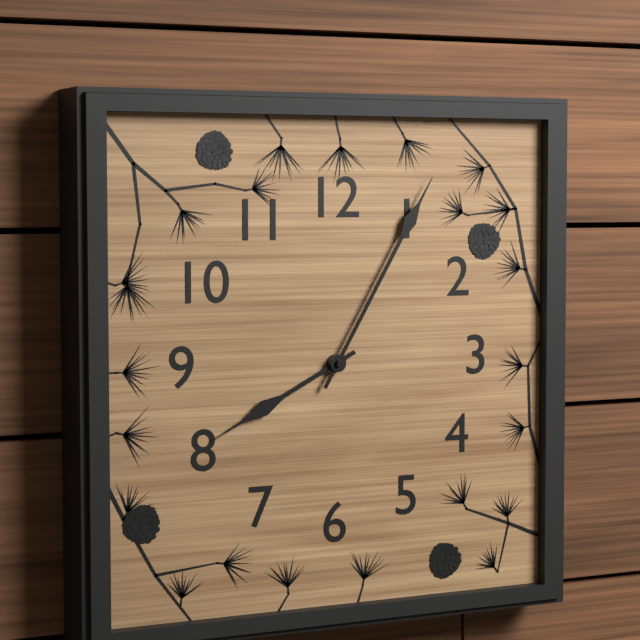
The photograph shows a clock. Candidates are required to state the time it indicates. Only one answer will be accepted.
8:05
